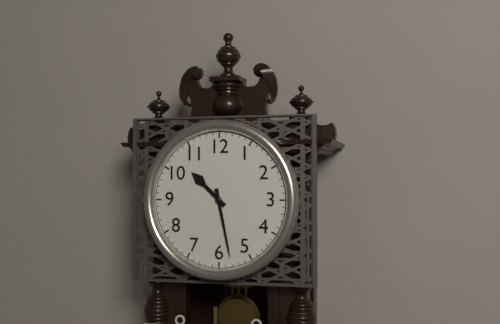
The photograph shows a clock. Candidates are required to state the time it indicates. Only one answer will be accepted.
10:28
